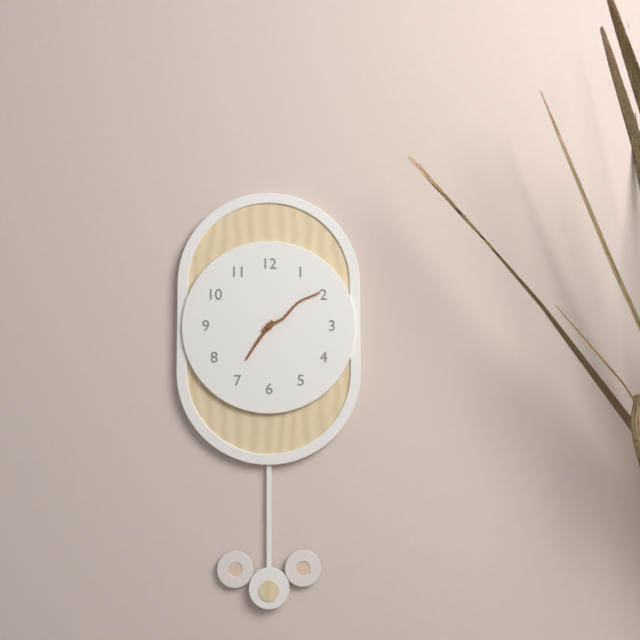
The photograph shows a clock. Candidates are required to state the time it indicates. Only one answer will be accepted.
7:09
